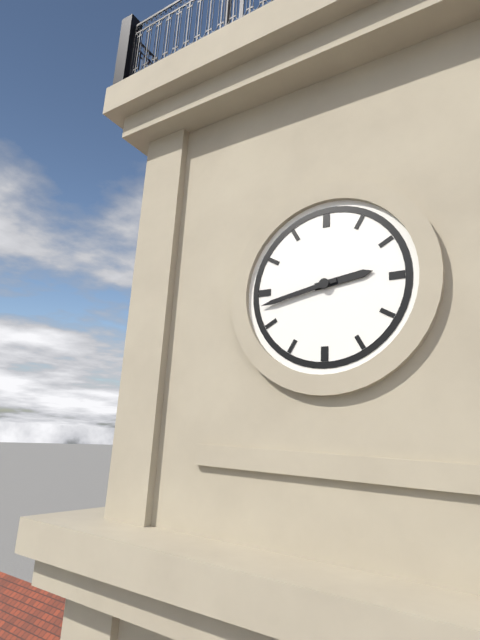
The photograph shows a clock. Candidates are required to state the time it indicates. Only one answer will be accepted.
2:43
